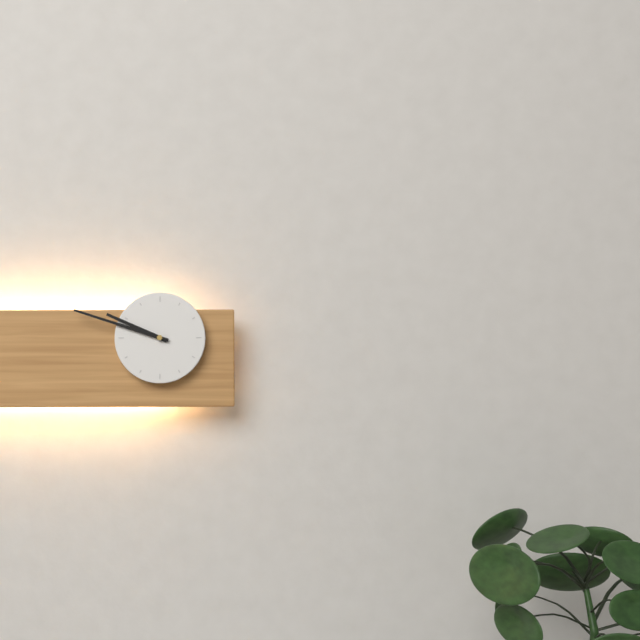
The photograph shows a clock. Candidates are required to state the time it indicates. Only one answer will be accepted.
9:48
